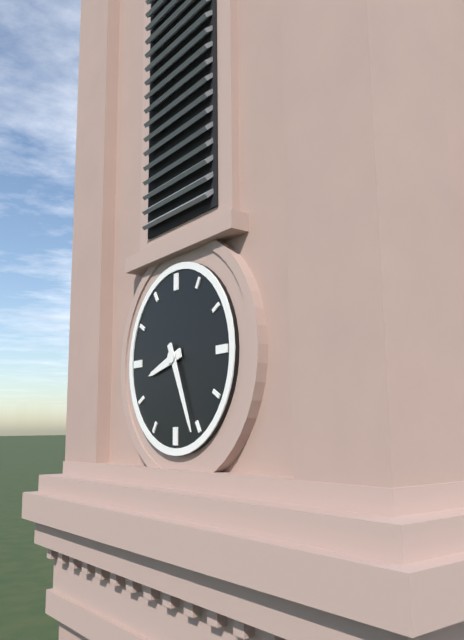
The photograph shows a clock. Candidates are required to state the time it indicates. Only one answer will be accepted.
8:26
